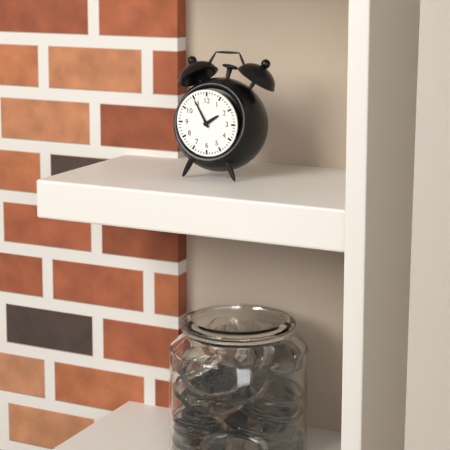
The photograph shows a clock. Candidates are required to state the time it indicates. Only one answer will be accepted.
1:55
